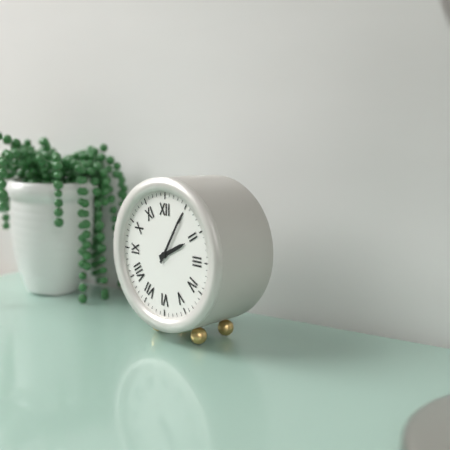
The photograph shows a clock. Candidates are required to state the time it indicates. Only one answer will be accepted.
2:05
